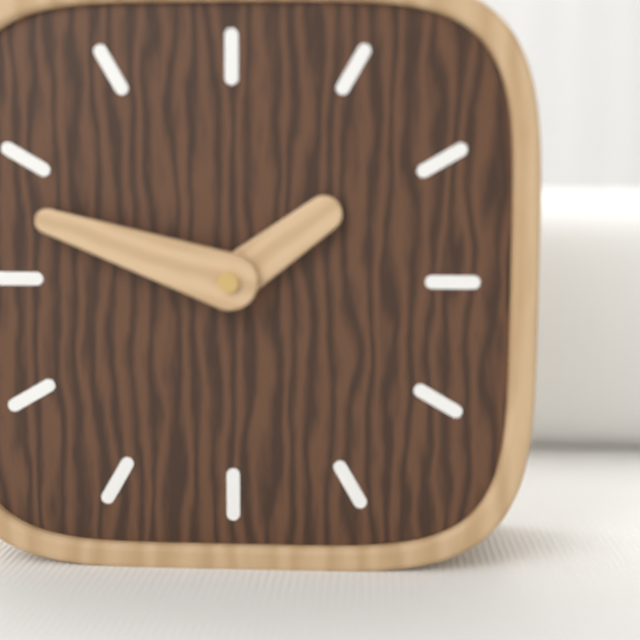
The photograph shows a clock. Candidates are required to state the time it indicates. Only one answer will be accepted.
1:48
